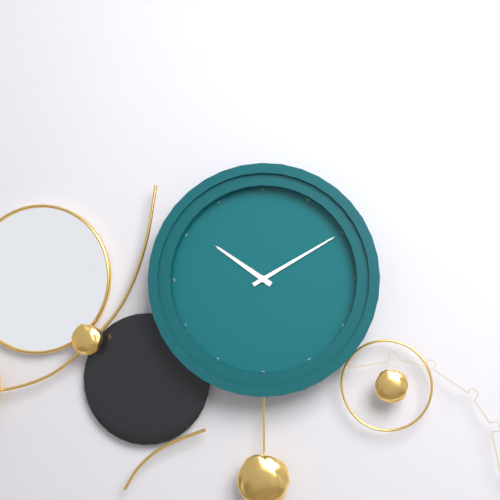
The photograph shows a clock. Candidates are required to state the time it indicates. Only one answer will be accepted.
10:10
